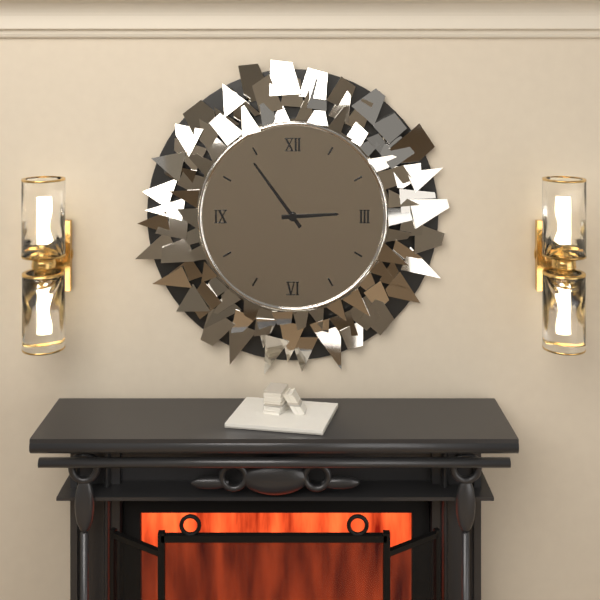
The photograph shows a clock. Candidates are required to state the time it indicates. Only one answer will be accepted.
2:54
